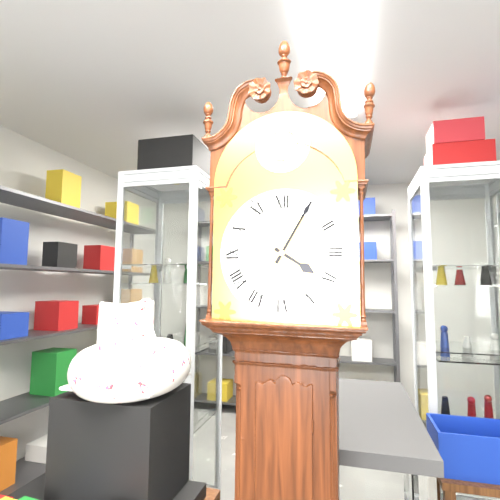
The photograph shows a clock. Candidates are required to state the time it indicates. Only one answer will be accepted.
4:05
